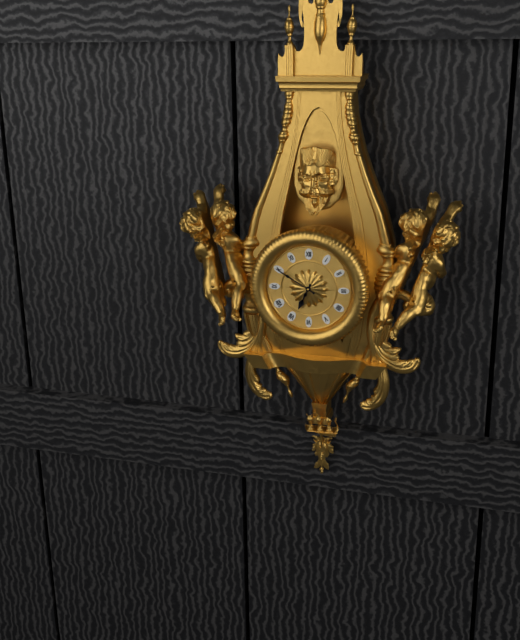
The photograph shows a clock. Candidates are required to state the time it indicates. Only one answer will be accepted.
6:50
